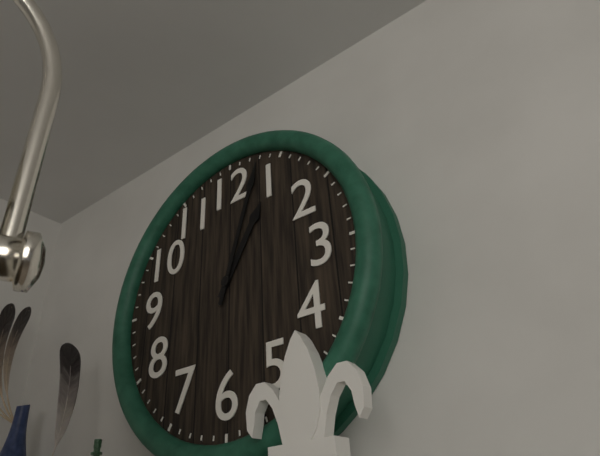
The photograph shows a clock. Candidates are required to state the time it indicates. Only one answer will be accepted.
1:03
